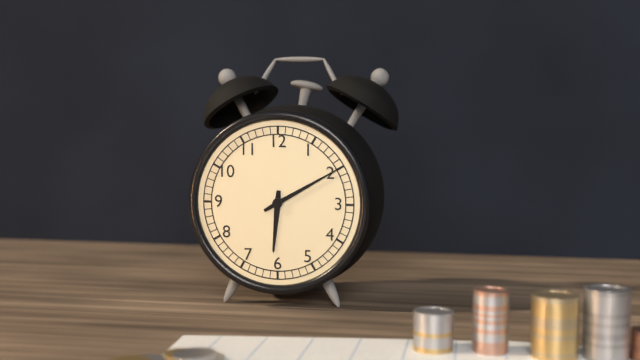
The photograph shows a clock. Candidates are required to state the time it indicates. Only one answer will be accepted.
6:10
